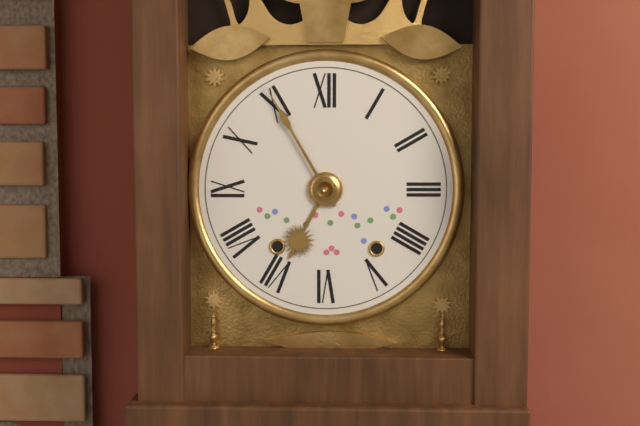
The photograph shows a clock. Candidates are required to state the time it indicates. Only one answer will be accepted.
6:55
